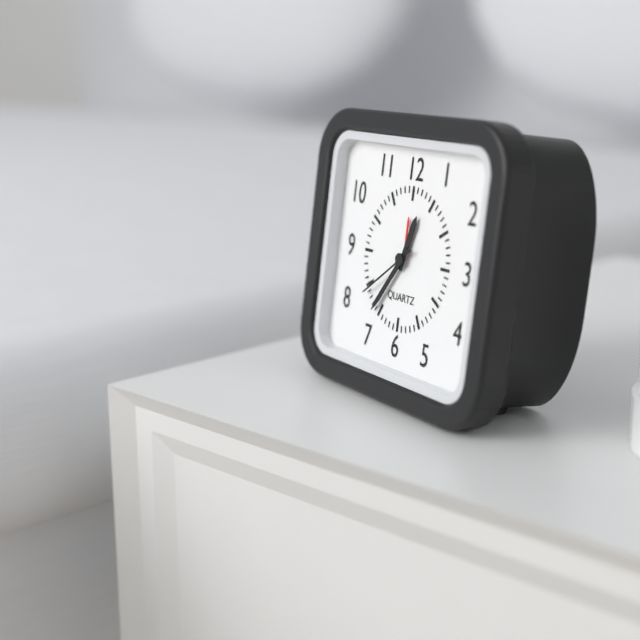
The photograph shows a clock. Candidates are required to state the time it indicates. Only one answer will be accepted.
12:36:39
